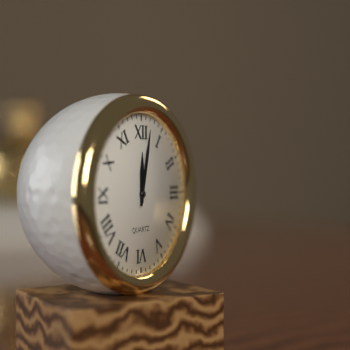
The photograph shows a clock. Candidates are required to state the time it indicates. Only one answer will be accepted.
12:02
